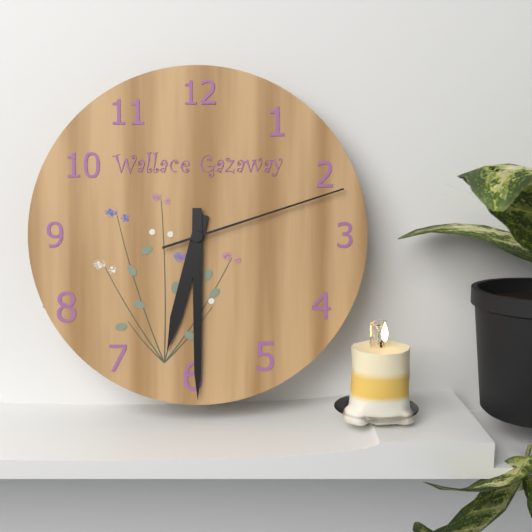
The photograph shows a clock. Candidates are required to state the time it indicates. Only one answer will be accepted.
6:30:12
